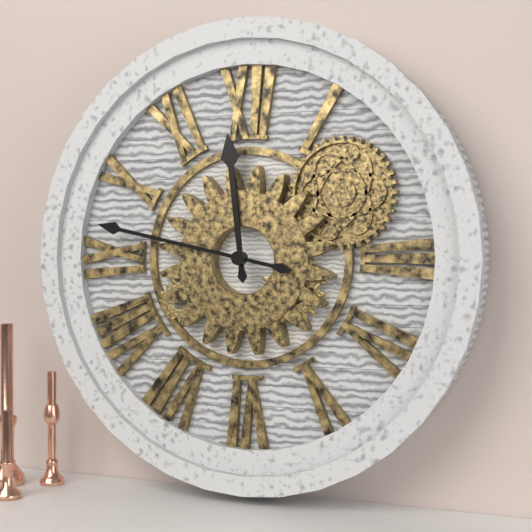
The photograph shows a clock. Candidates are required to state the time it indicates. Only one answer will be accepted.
11:47
